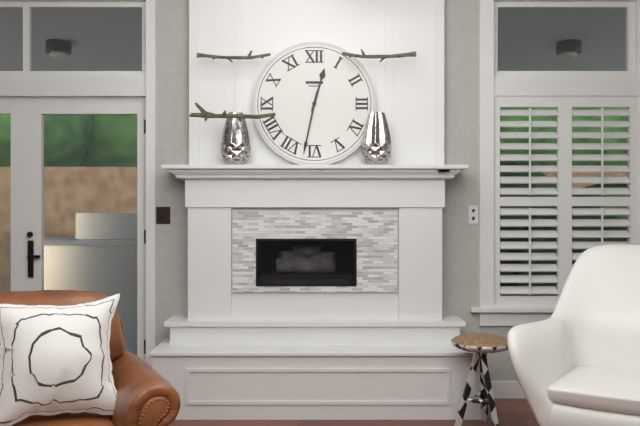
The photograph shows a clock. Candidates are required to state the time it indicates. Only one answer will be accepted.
12:32
